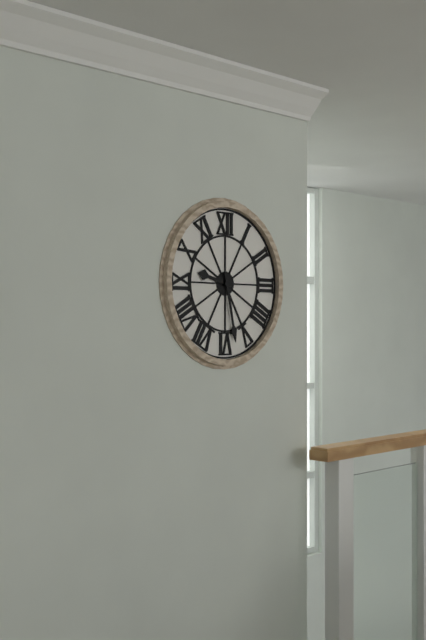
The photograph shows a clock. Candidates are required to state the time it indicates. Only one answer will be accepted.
9:28
